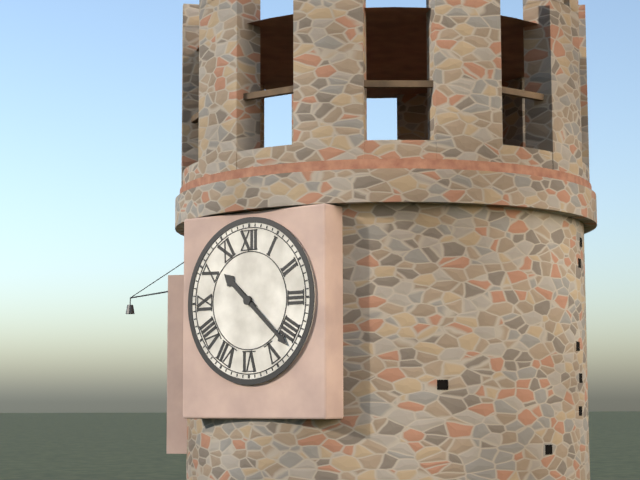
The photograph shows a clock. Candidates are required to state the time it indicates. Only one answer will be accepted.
10:22
